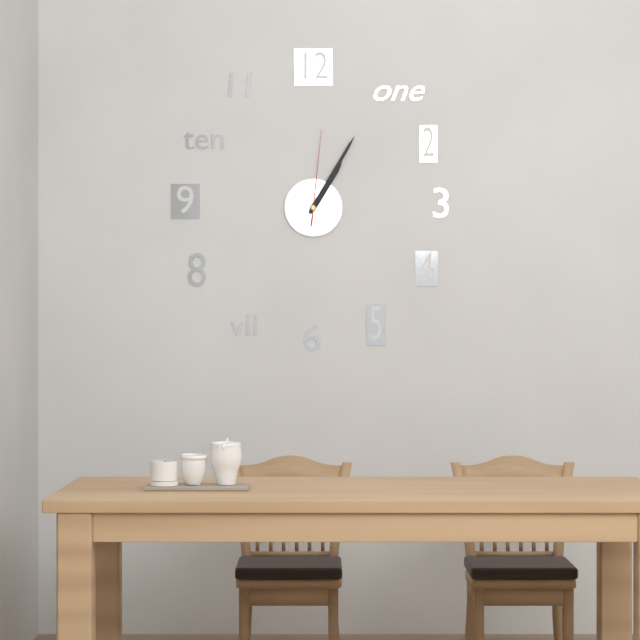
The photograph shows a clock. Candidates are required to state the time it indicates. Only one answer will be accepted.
1:05:01
